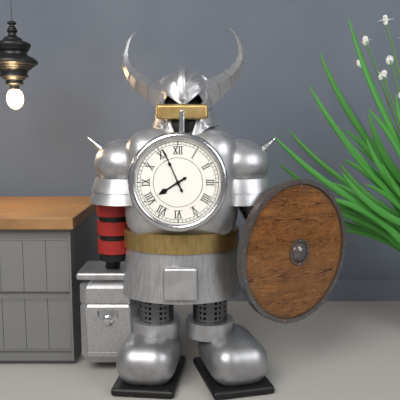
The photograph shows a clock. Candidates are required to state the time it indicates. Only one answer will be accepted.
7:56
